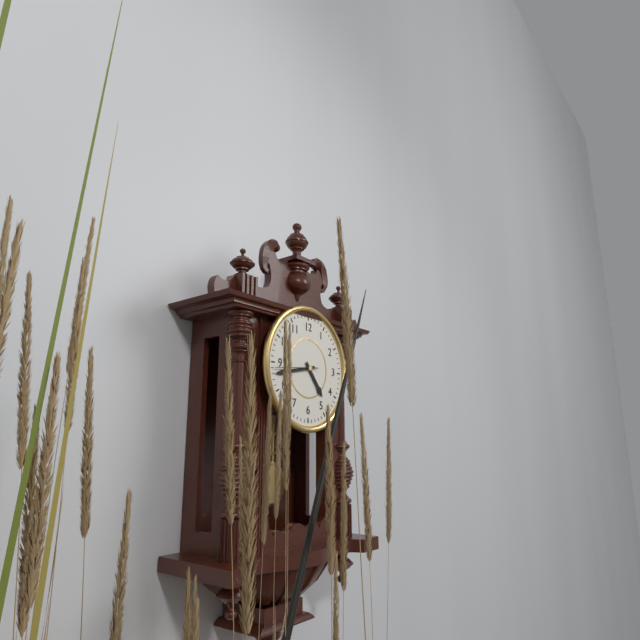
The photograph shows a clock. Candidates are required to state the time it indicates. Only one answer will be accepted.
4:43
